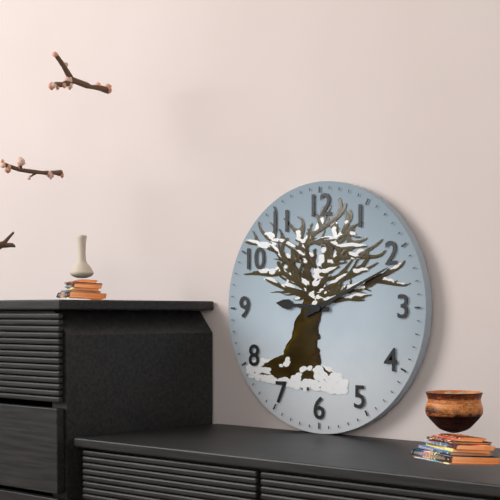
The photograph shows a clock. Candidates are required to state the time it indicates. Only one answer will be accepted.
9:11
